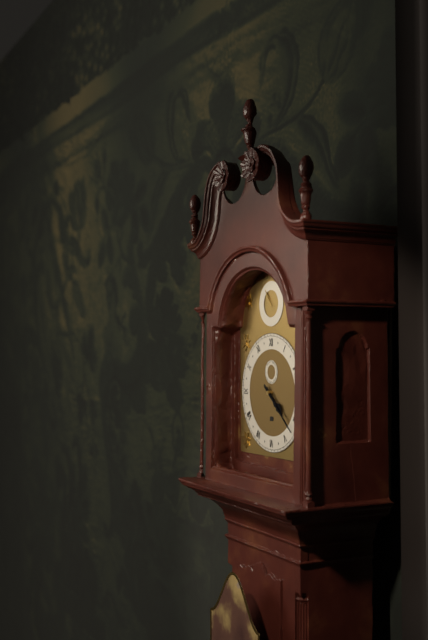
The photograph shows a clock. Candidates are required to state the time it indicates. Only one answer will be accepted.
4:22
